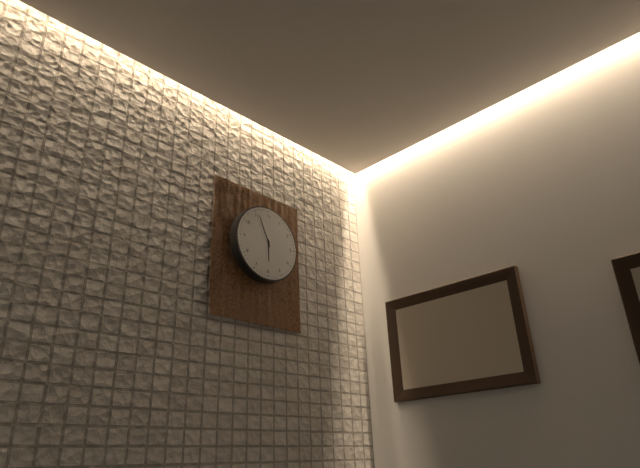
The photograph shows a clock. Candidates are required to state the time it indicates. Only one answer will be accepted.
5:56
